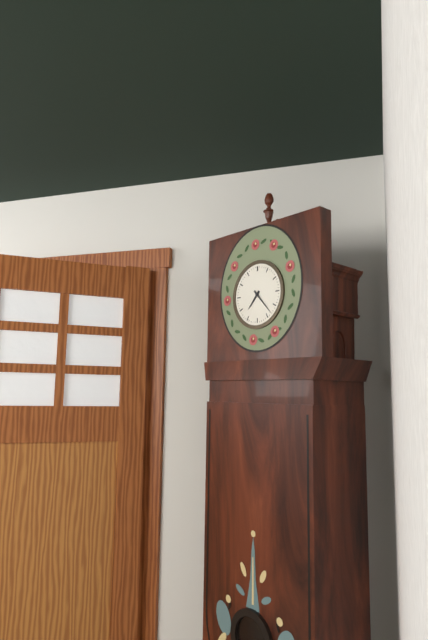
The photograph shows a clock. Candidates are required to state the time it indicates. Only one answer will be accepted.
7:23
